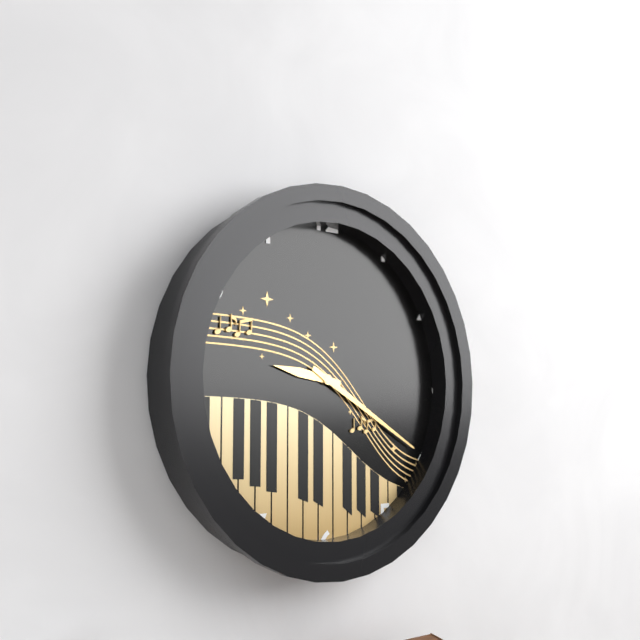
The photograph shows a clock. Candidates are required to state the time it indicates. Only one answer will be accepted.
9:20
